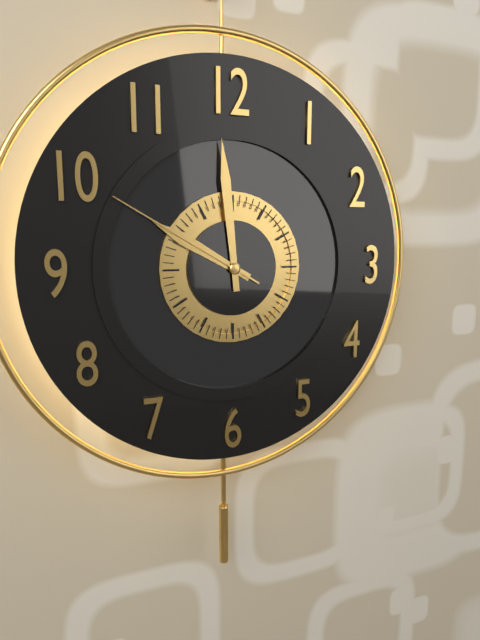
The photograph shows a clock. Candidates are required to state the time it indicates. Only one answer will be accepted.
9:59:50
